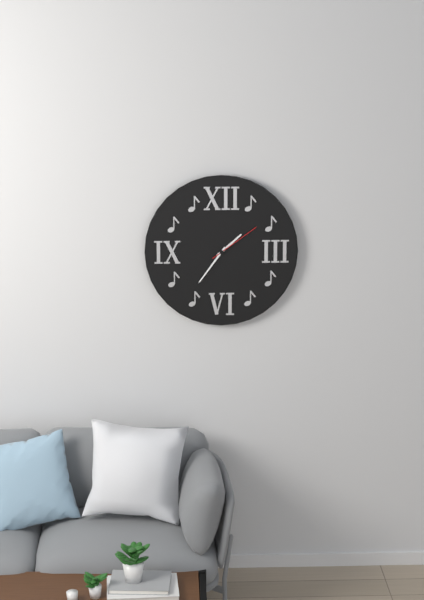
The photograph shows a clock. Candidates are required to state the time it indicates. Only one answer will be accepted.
1:36:09
